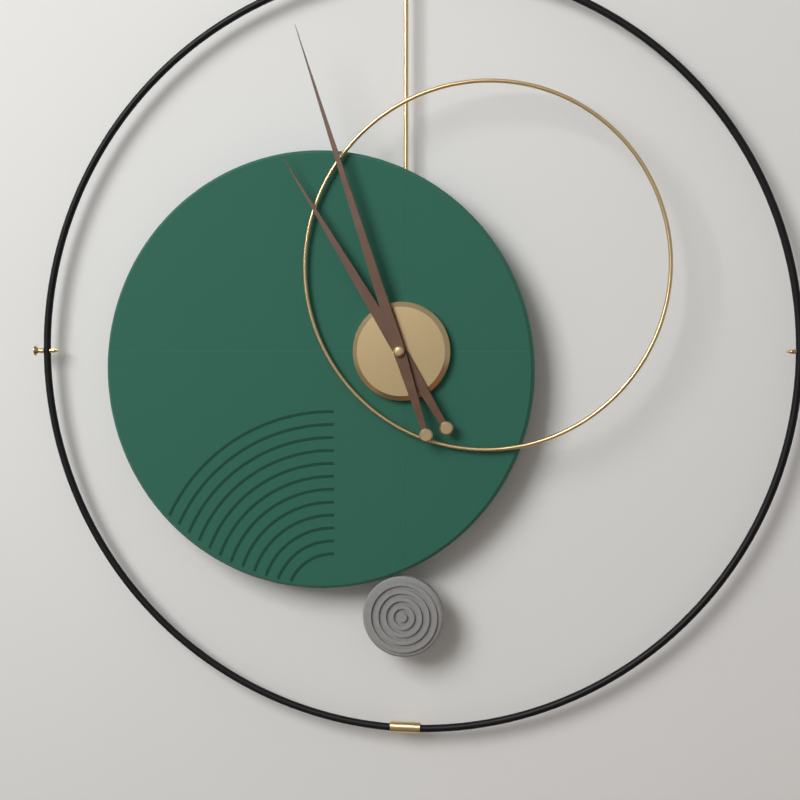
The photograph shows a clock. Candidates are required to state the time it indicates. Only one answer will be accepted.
10:57
